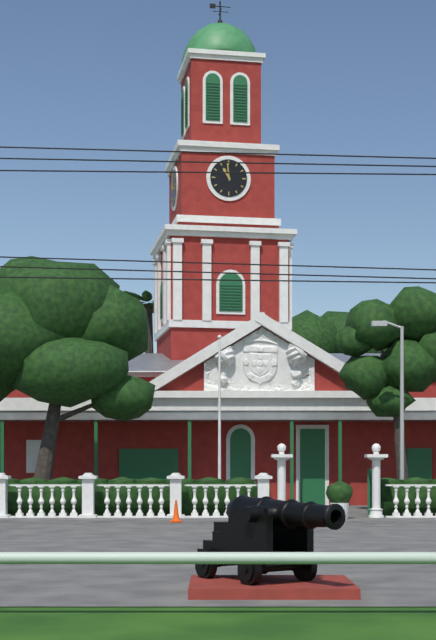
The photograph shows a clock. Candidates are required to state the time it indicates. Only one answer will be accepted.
10:59
